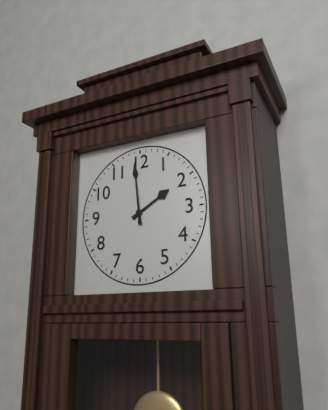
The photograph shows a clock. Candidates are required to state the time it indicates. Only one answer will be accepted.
1:59
